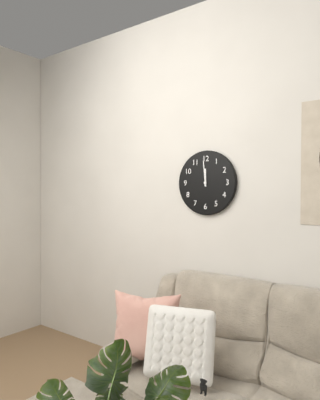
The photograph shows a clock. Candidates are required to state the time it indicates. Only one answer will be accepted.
11:59
